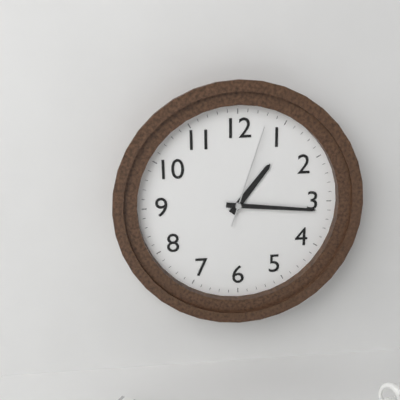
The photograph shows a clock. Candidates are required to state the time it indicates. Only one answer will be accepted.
1:16:03
